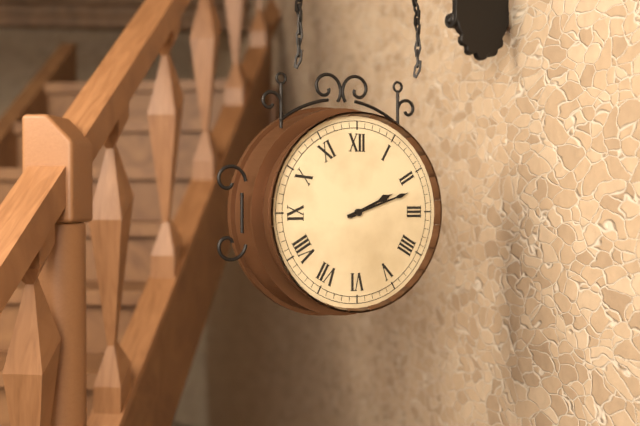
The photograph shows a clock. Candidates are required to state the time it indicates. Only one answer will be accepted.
2:12
